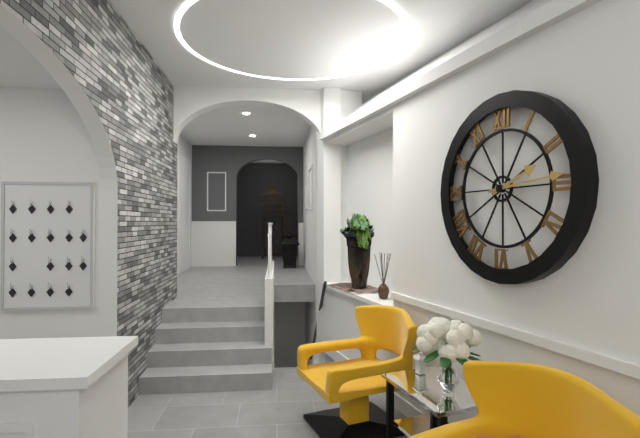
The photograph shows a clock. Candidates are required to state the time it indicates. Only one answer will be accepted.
2:14
